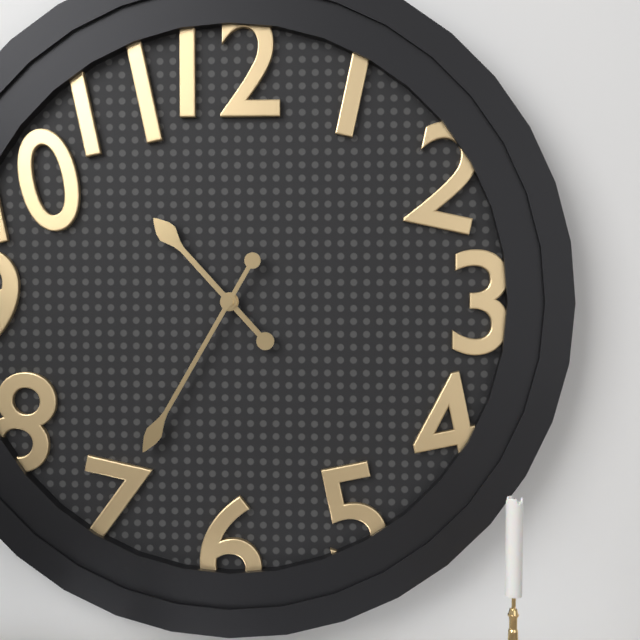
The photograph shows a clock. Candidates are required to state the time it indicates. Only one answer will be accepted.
10:35
